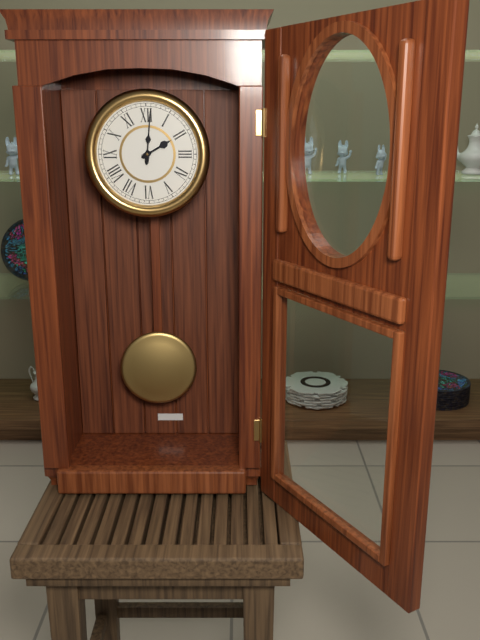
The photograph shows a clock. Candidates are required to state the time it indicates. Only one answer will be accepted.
2:01
